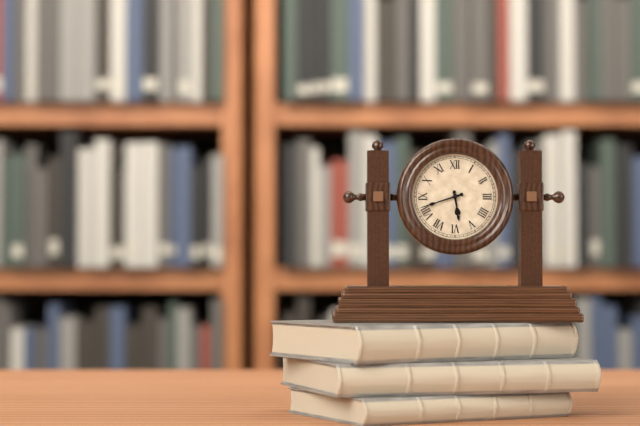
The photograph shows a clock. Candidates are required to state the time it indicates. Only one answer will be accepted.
5:42
